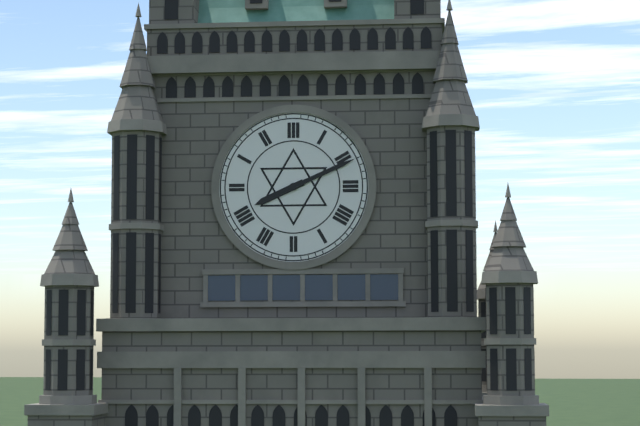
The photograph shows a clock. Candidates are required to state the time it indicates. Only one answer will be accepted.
8:11
